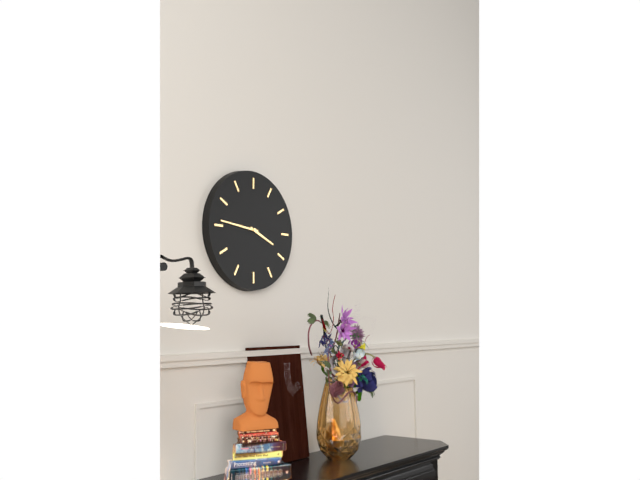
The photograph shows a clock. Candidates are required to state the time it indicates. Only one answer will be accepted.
3:46
